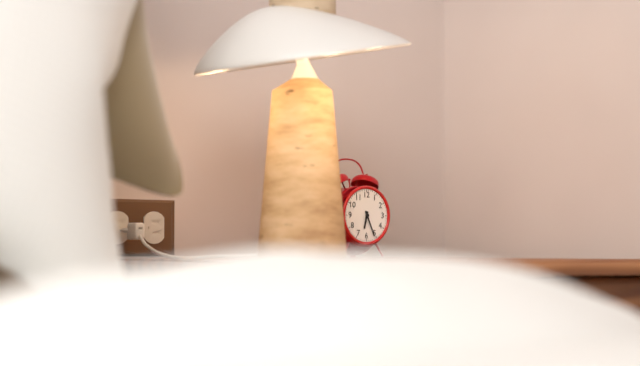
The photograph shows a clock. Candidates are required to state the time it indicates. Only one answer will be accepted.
6:26
